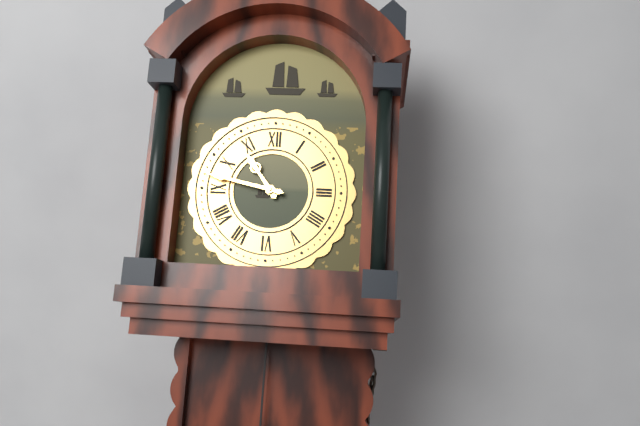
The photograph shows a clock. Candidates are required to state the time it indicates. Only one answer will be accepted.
10:47
